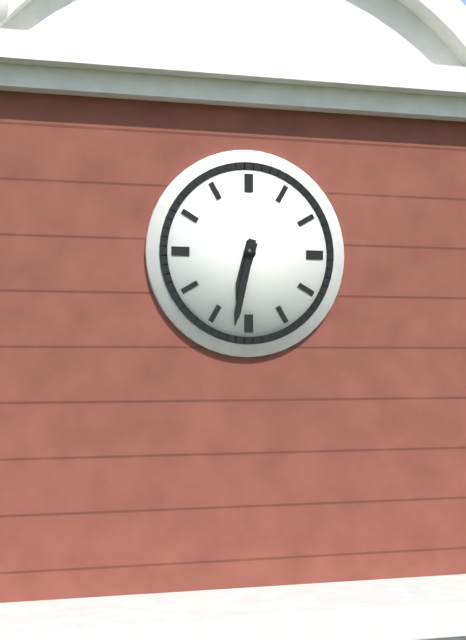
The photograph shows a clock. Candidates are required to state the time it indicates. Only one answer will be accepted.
6:32
